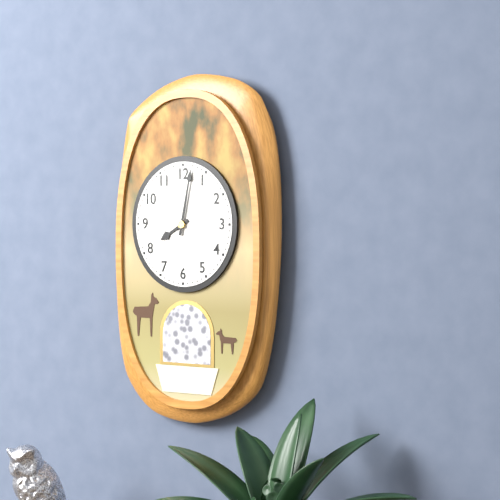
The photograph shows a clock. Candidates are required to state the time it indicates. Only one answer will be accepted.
8:02
